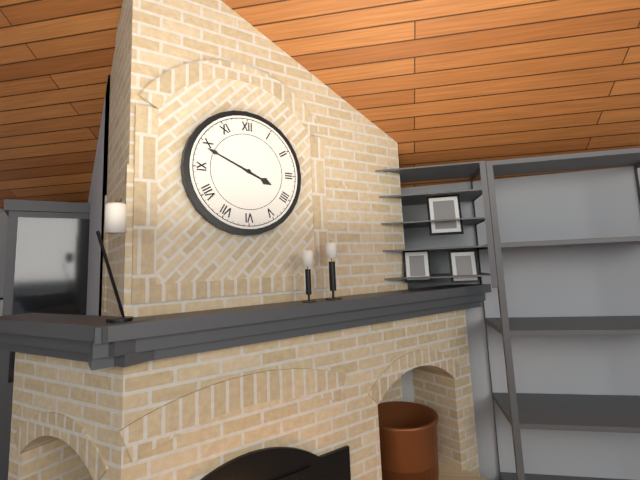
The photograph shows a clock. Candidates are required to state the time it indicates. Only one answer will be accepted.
3:49
